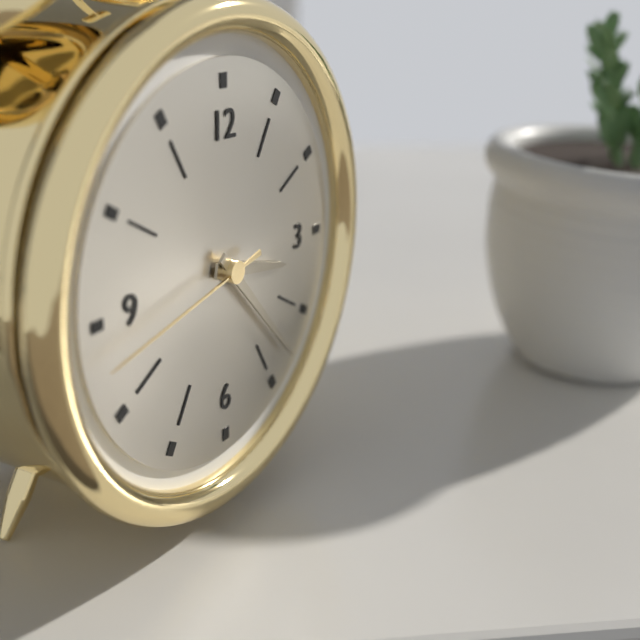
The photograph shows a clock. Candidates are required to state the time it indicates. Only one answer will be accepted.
3:23:43
